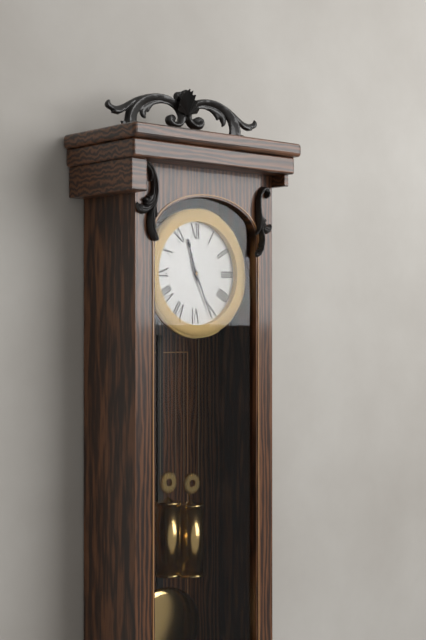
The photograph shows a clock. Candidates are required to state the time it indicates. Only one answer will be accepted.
11:26
